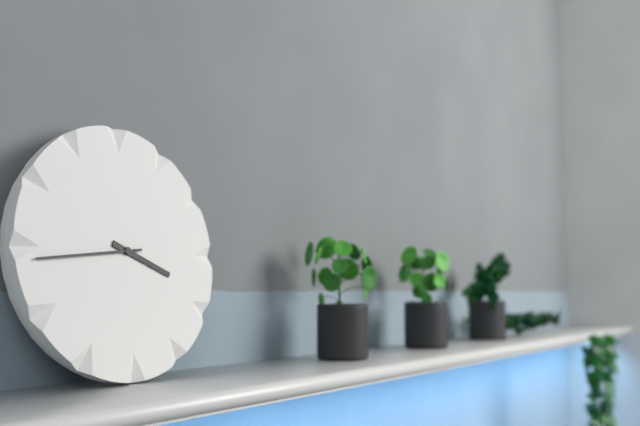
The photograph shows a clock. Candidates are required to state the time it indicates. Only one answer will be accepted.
3:44
